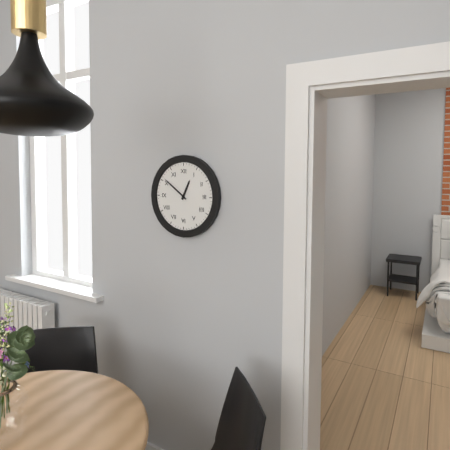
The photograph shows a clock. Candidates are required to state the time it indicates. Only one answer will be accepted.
12:51
